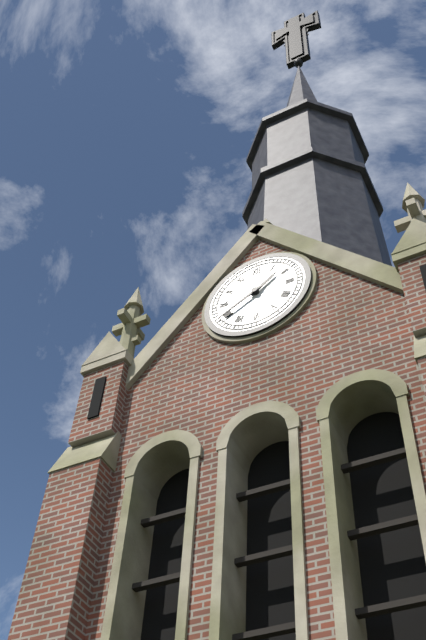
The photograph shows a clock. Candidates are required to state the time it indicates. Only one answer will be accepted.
1:40
